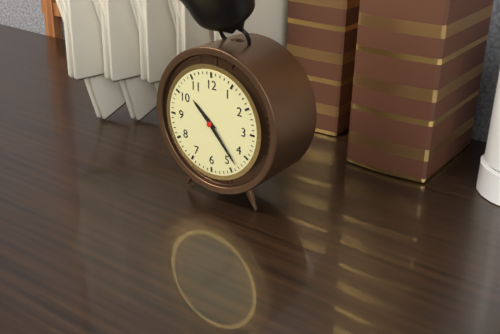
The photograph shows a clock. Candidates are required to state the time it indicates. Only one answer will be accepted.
10:23
